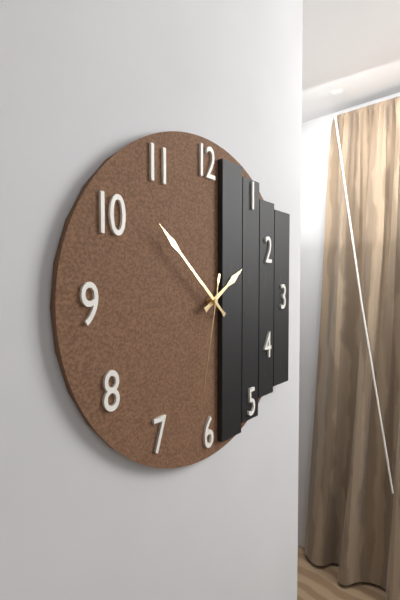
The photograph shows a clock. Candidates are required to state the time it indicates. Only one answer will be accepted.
1:52:32
